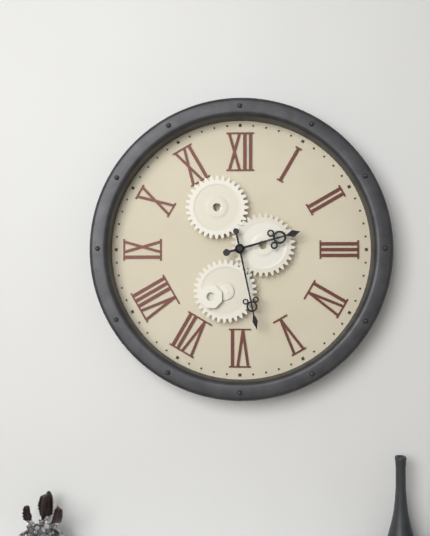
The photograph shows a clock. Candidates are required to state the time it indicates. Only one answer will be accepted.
2:28
